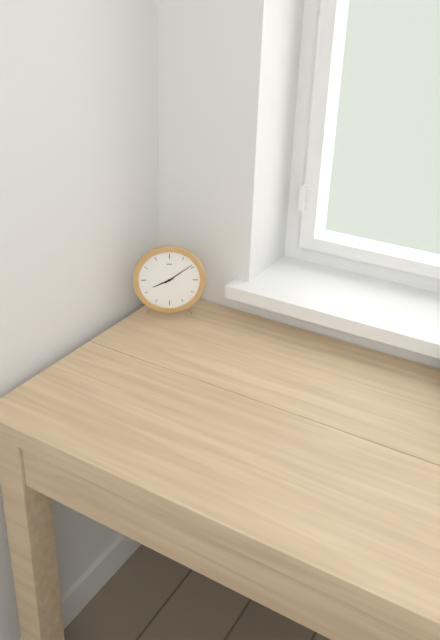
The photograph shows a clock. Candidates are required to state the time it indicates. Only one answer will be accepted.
8:09
